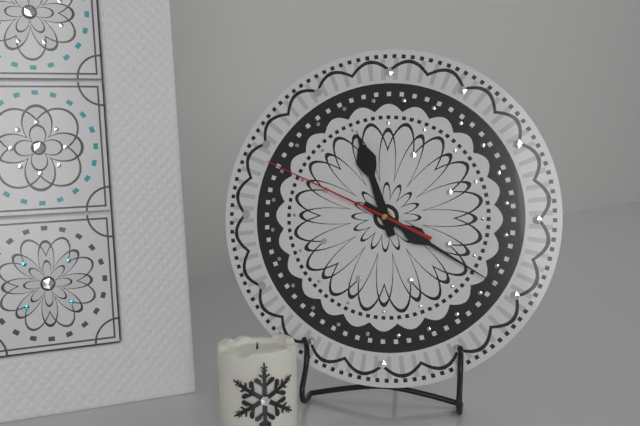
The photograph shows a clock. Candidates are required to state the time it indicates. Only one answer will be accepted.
11:20:49
